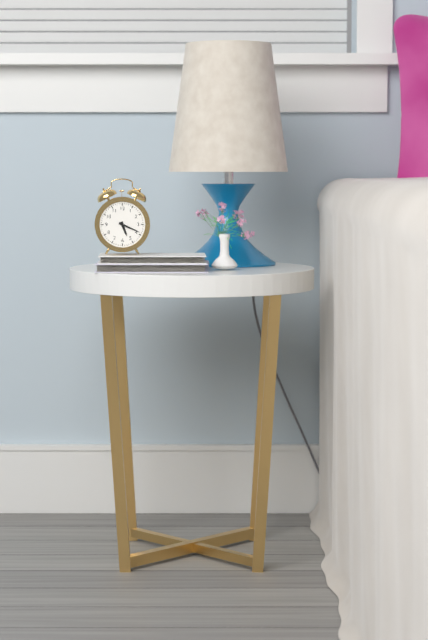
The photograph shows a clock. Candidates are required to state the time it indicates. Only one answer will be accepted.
5:19
